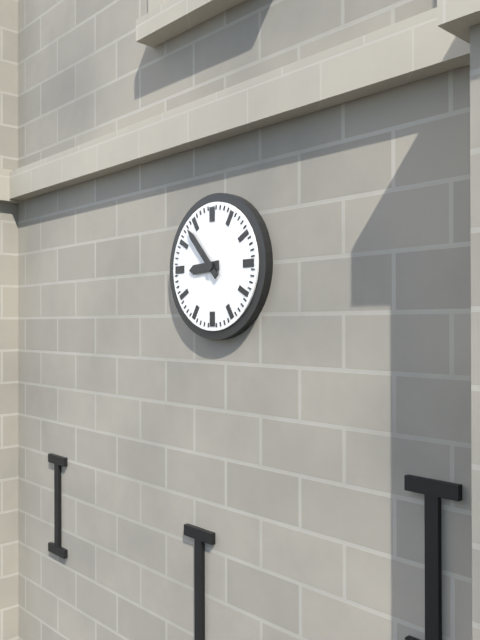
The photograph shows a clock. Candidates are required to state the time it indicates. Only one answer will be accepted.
8:53
